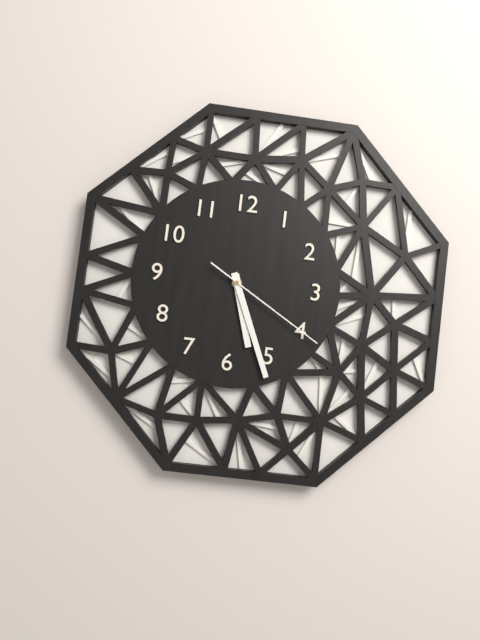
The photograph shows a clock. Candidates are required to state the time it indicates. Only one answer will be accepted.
5:26:20
